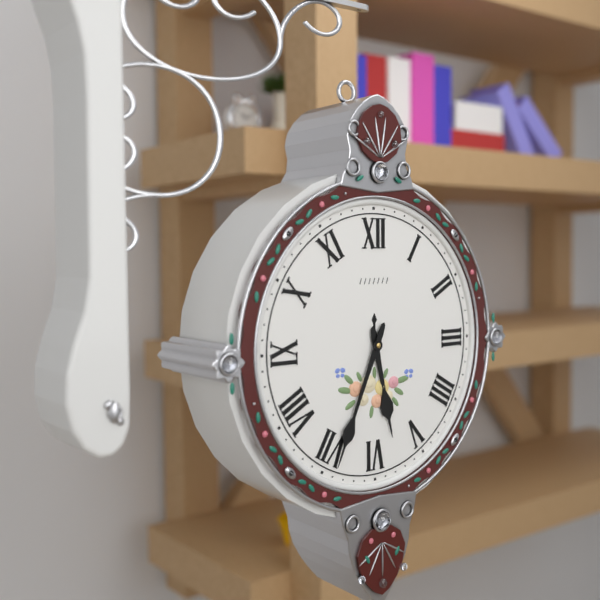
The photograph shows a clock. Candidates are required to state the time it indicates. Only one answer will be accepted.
5:34
